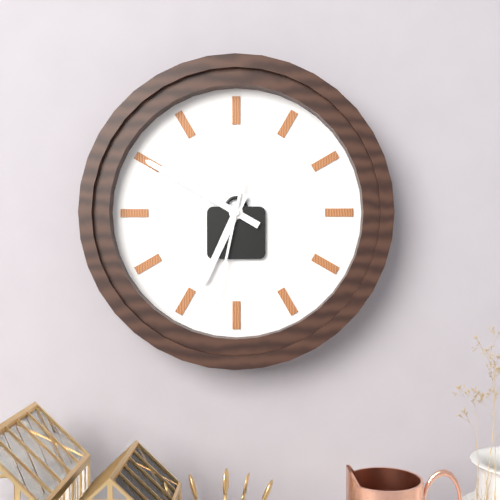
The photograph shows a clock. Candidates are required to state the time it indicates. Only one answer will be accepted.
6:50:32
